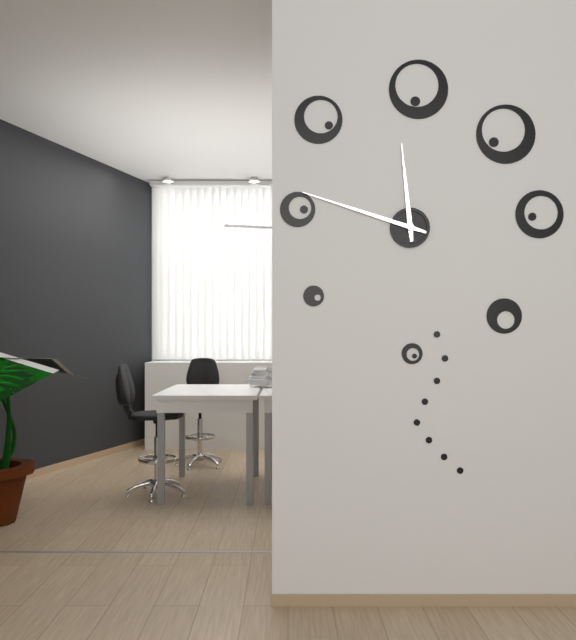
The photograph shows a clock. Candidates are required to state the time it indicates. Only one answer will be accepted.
11:48
